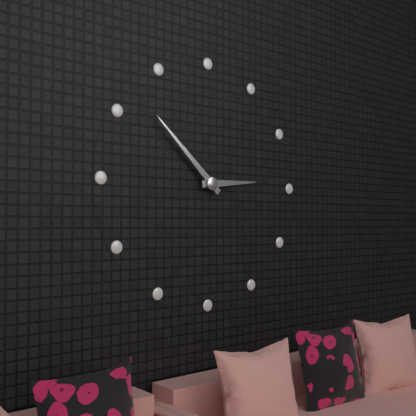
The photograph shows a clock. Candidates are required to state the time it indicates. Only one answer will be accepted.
2:52
